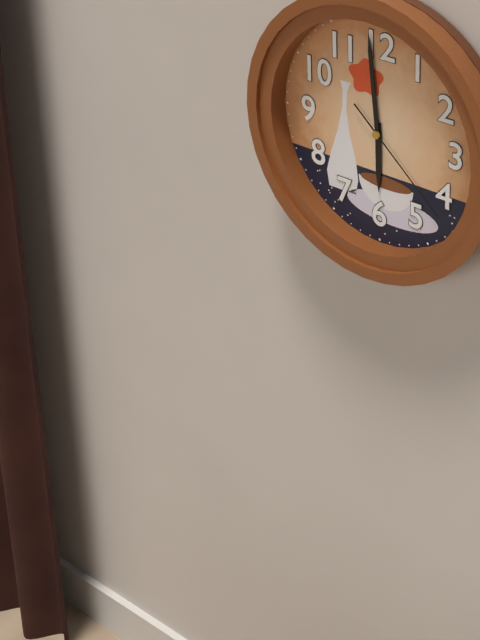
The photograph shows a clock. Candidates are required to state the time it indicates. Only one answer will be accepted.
5:59:22
